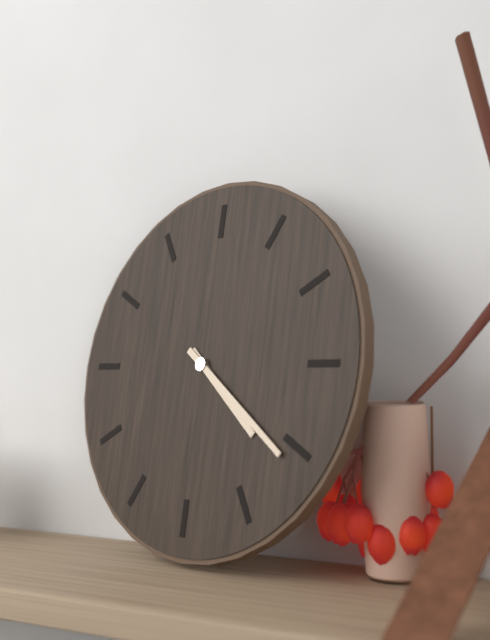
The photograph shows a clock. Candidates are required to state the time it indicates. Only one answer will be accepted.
4:21
